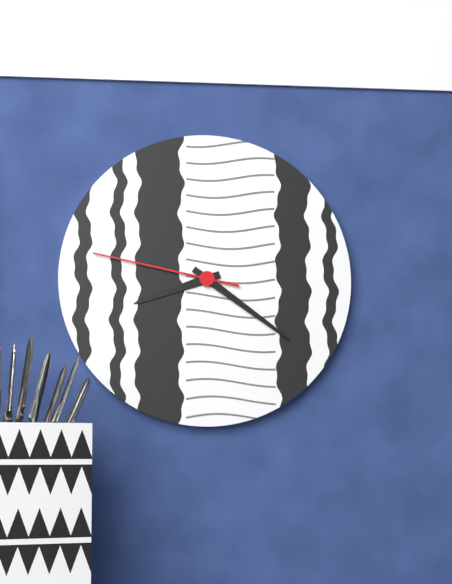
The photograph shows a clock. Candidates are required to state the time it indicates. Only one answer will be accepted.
8:21:47
